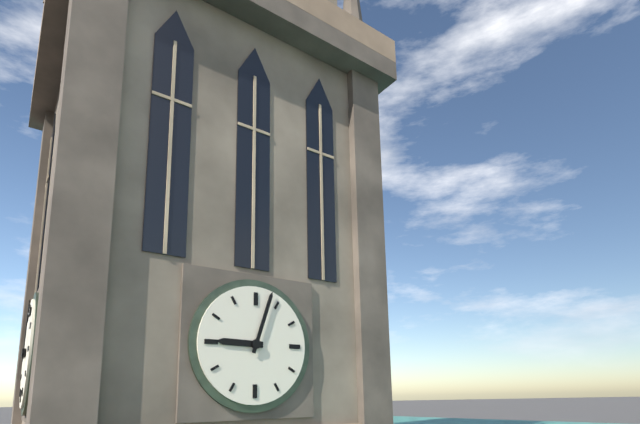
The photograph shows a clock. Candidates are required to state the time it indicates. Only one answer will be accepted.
9:03
